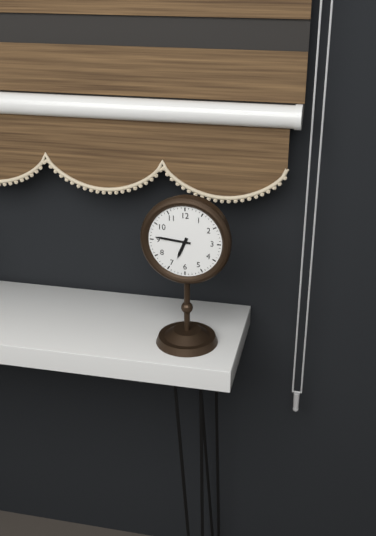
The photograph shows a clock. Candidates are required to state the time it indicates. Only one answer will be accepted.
6:46
